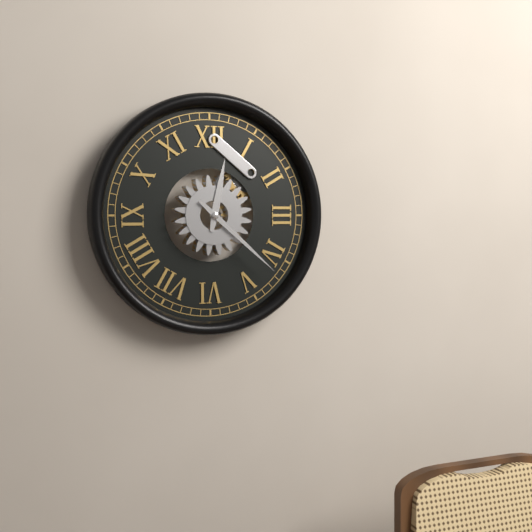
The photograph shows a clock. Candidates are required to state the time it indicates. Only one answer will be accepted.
12:22
